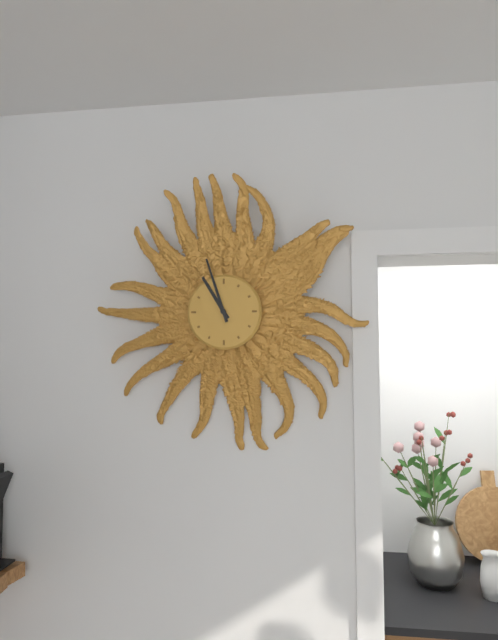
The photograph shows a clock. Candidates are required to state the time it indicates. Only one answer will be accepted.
10:57
